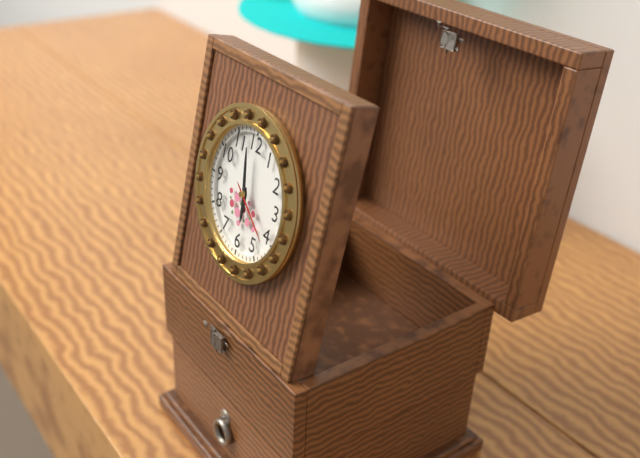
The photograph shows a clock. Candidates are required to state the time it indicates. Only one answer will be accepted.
5:58:21
